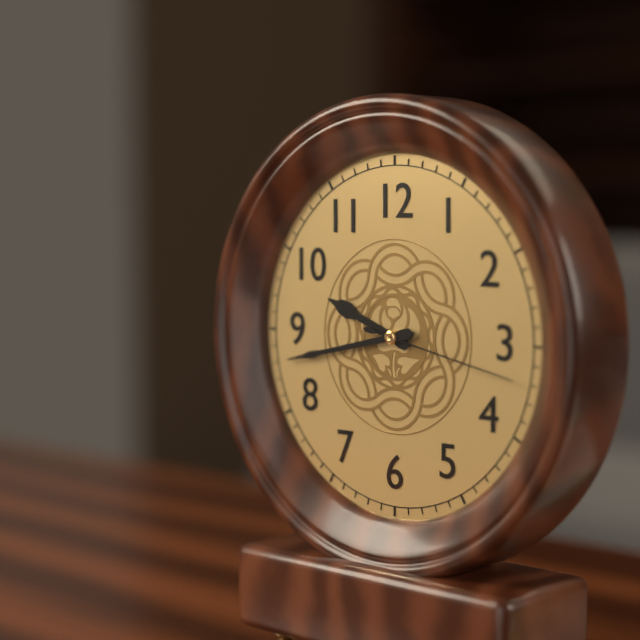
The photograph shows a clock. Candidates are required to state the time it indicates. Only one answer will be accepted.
9:43:17
